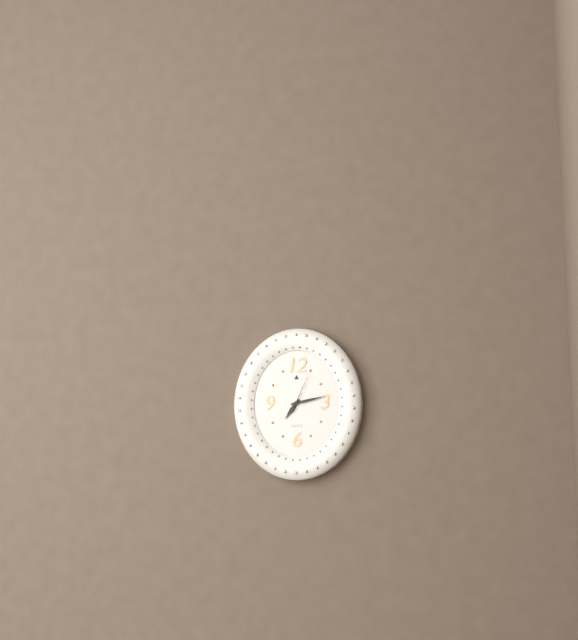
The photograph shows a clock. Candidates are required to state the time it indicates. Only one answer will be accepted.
7:13
